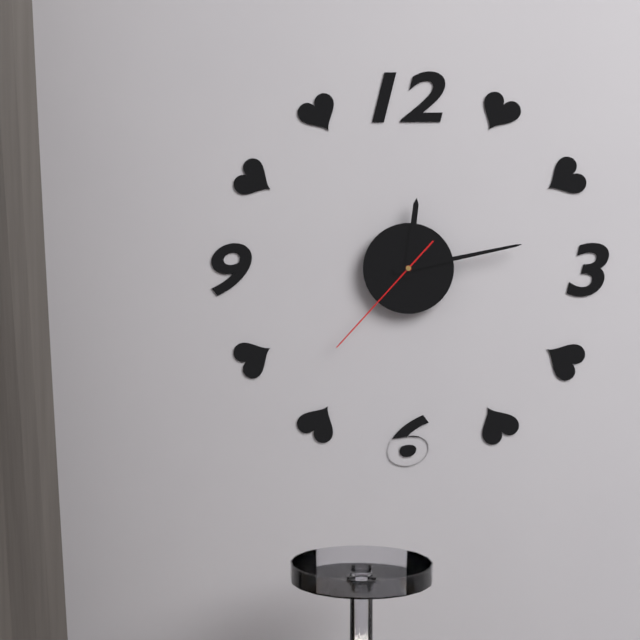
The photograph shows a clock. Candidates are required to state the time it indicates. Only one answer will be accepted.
12:13:37
